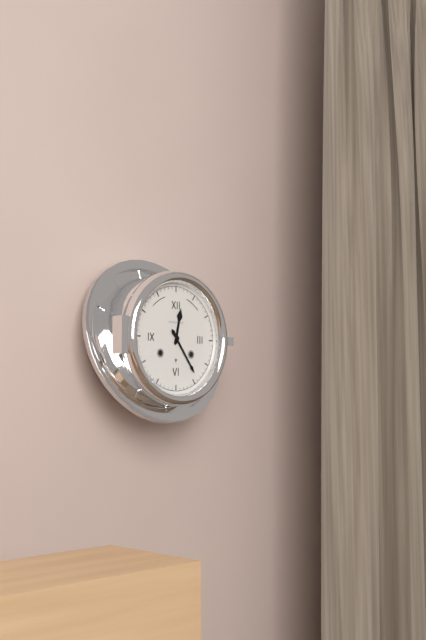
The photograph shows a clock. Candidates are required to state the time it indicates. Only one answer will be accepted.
12:24
